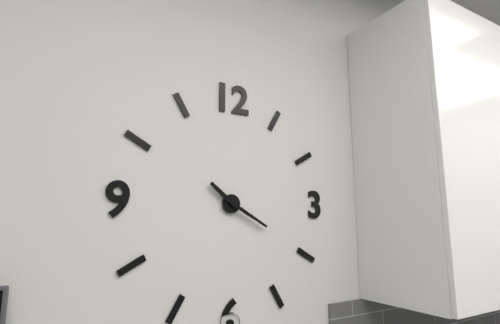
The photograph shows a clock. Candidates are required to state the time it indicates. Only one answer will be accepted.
10:20
